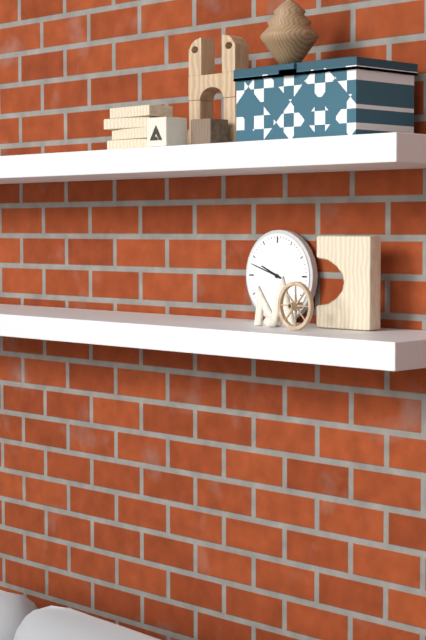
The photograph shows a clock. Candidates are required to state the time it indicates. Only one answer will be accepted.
9:48
